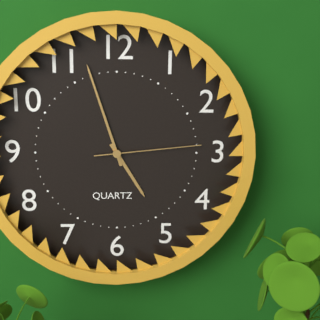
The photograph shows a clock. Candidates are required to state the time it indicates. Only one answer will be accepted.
4:57:14
